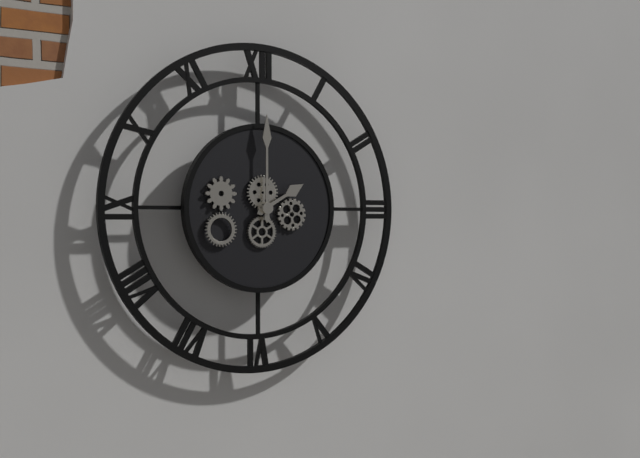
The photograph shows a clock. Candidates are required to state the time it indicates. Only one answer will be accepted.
2:00
